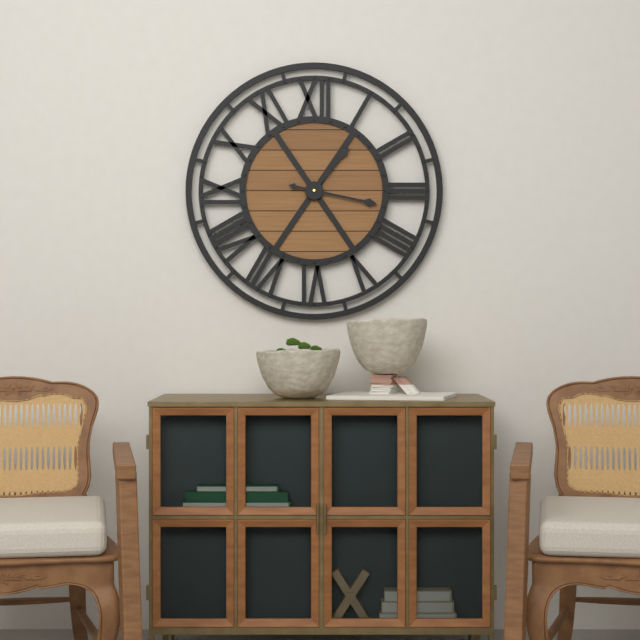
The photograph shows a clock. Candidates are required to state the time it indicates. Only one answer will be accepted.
1:17
